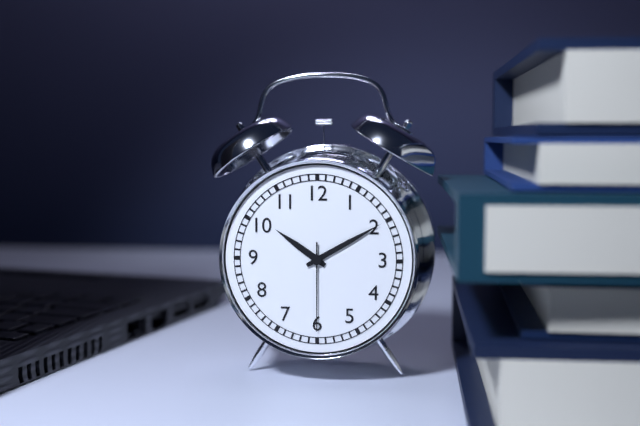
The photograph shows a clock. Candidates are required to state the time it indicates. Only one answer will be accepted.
10:10:30
